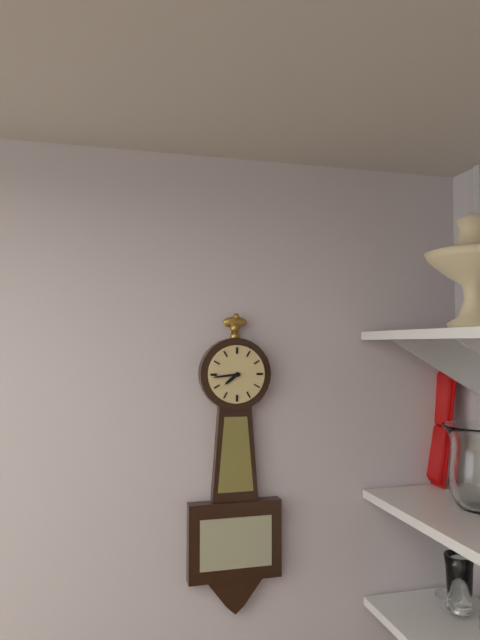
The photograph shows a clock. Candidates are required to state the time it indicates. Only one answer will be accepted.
7:44
